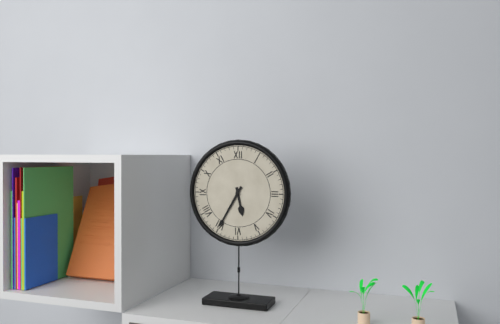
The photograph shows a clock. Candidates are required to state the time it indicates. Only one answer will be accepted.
5:35
